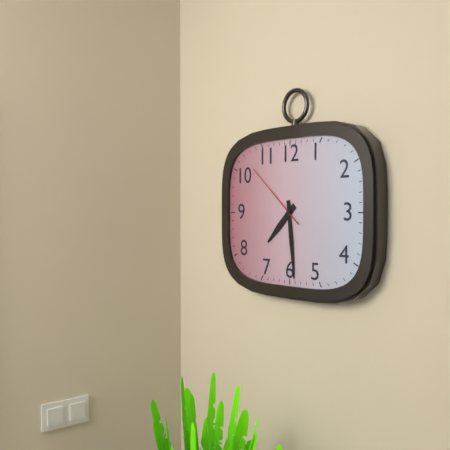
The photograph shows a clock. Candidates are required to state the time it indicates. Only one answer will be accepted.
7:29:52
